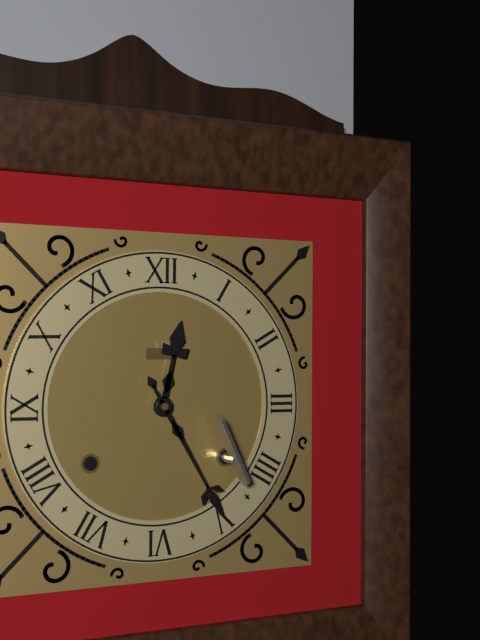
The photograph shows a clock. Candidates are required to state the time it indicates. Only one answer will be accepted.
12:25
